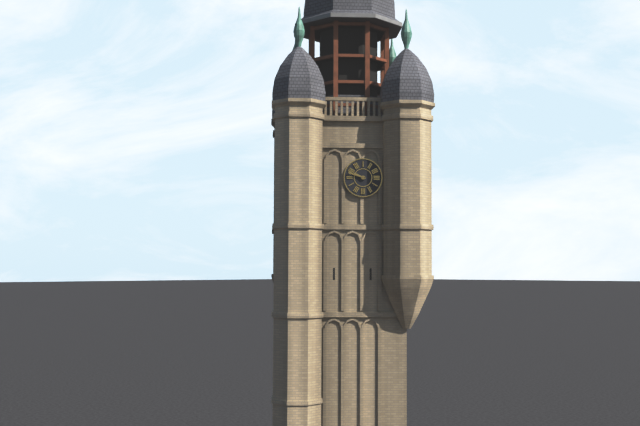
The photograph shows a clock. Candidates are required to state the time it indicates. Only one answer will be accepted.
9:48
